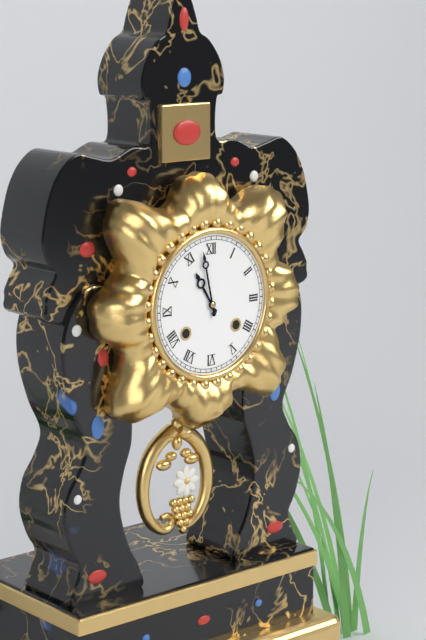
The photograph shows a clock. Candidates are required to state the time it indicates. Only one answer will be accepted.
10:58
